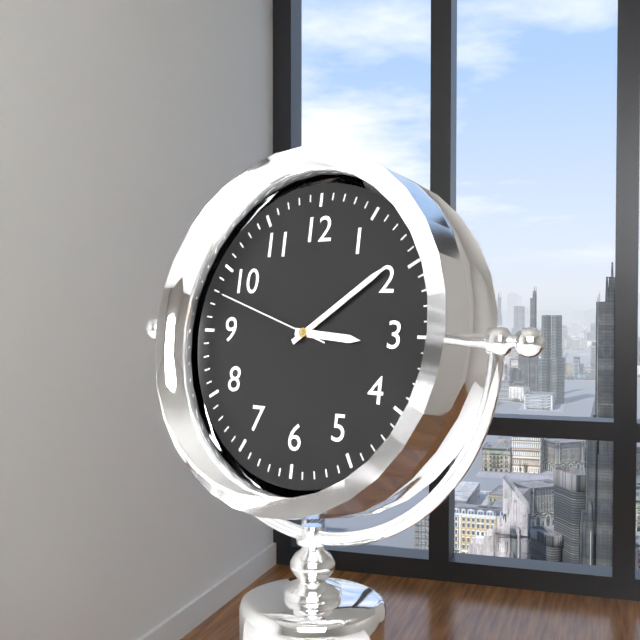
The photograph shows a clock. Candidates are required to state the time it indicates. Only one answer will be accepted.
3:09:48
